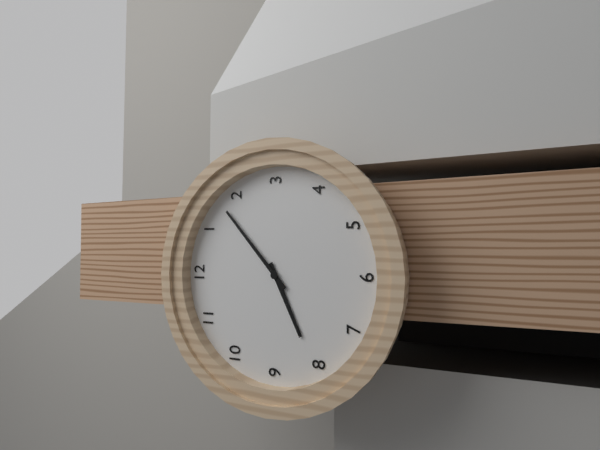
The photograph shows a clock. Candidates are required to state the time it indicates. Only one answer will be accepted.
8:08
